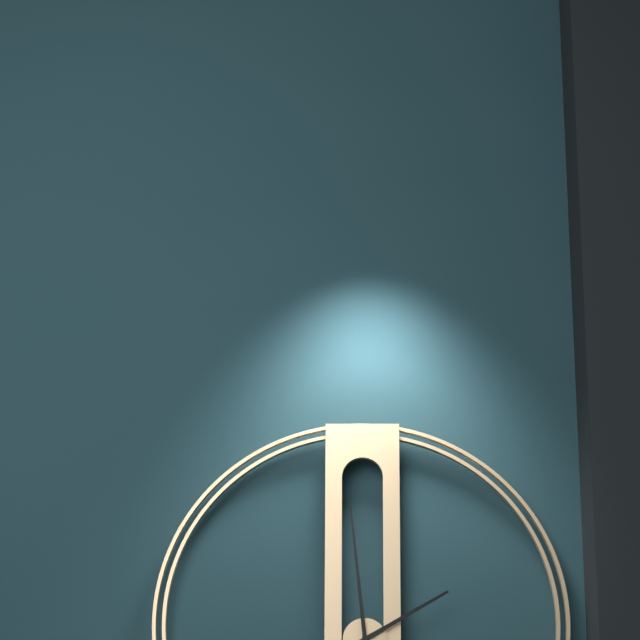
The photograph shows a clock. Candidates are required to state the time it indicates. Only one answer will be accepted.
1:59
